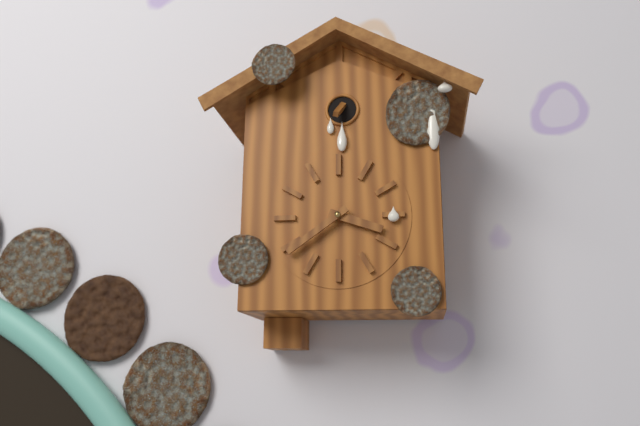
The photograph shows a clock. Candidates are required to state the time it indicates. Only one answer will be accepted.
3:39
